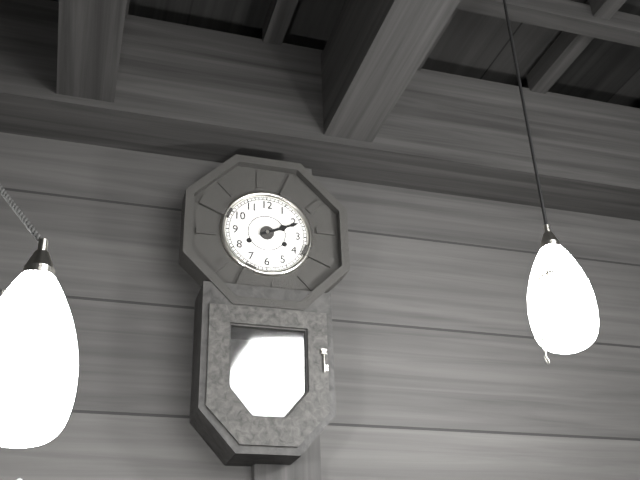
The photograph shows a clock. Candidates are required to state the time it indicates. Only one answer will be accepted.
2:11
